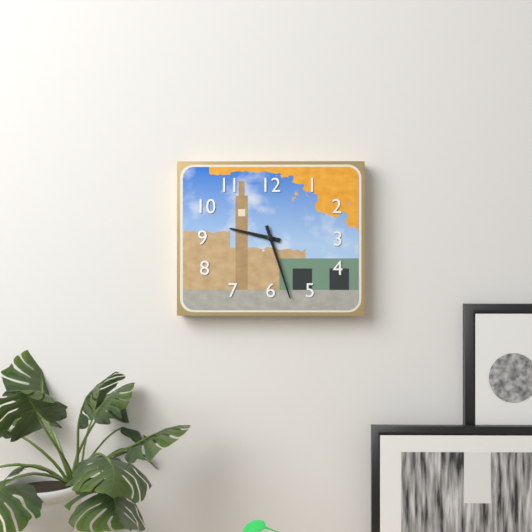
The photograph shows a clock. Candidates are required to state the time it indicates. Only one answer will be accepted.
9:27
